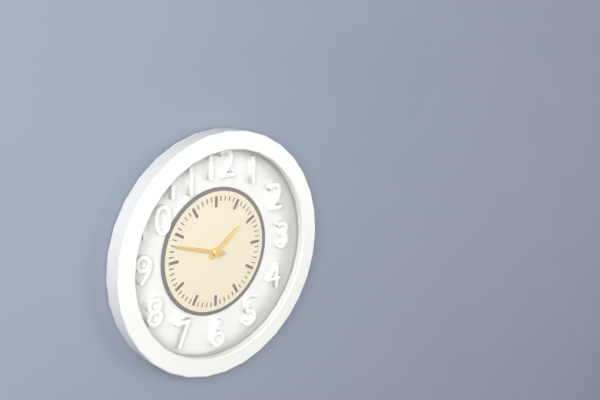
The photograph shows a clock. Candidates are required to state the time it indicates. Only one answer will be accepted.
1:48
